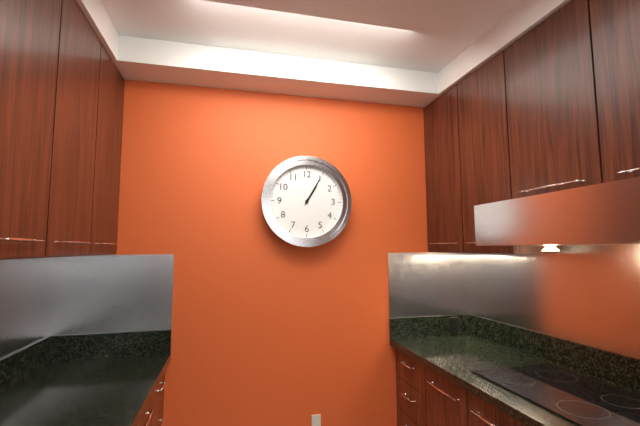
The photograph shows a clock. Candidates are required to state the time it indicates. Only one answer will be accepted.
1:05
